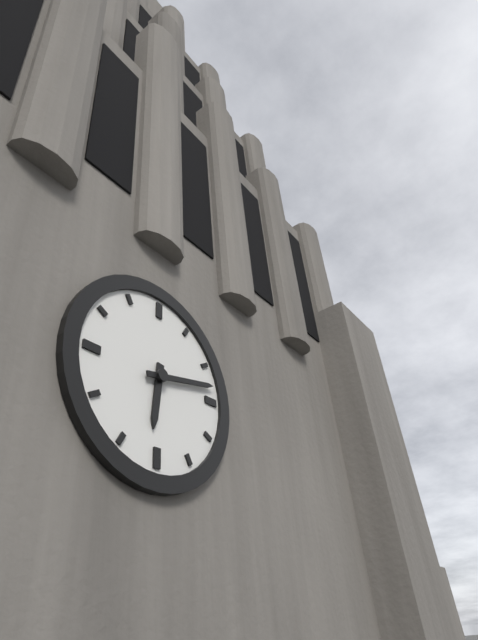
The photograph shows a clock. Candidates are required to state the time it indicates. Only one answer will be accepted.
6:13
